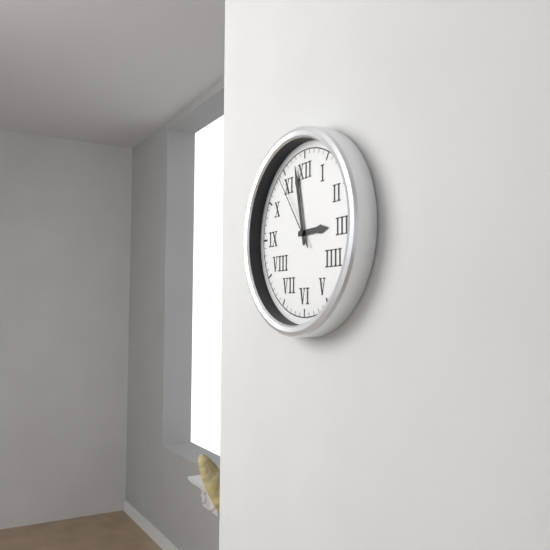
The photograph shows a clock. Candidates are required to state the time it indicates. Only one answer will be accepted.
2:58:54
